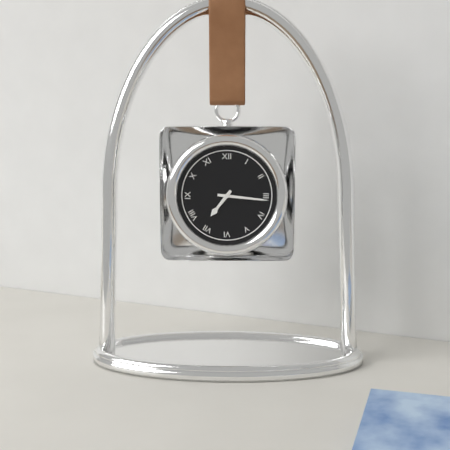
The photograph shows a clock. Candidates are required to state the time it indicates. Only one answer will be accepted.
7:16
